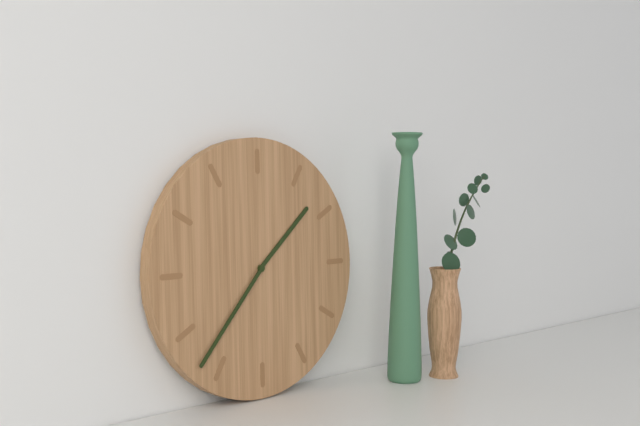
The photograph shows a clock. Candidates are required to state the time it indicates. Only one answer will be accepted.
1:37
